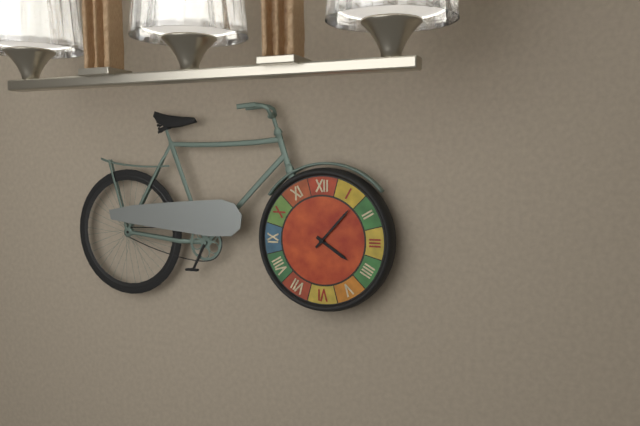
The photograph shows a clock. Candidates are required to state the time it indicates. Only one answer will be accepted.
4:07
